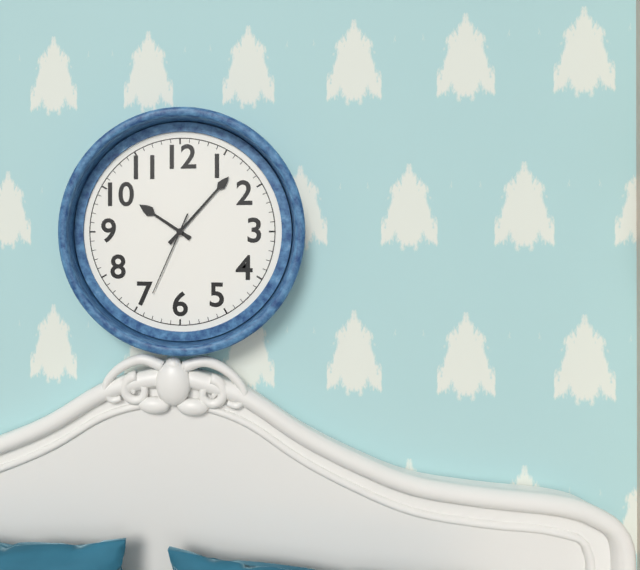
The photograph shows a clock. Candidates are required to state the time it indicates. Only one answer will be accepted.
10:07:34
